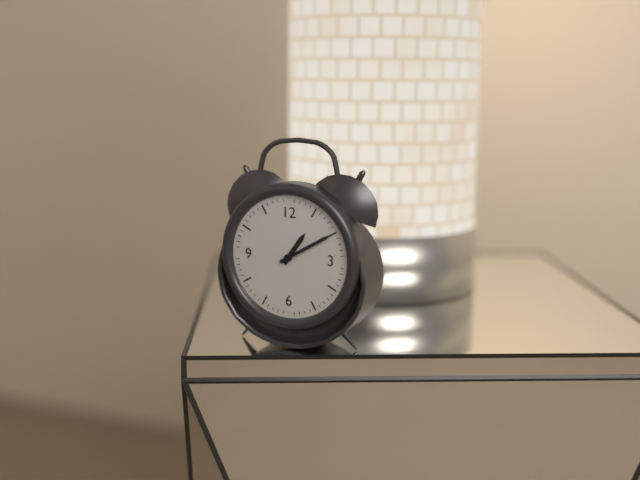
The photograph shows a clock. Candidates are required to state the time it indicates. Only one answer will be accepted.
1:10
